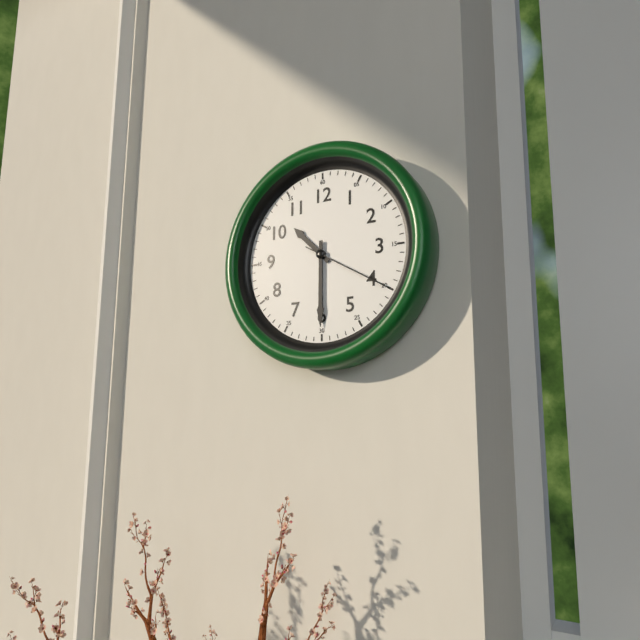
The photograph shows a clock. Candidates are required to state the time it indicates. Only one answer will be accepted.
10:30:20
